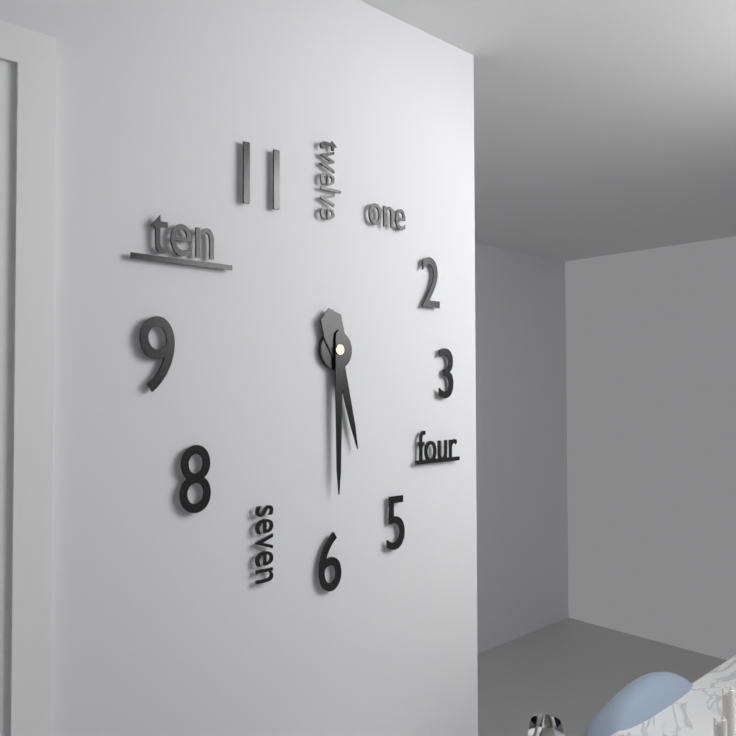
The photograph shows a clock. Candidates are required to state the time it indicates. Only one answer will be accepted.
5:30
